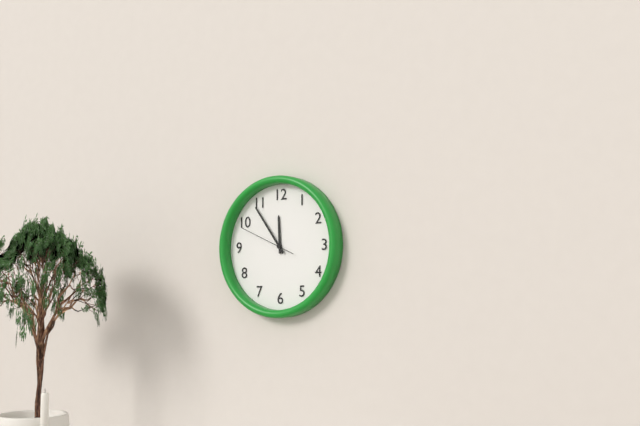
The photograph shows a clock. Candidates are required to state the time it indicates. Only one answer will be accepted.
11:54:49
